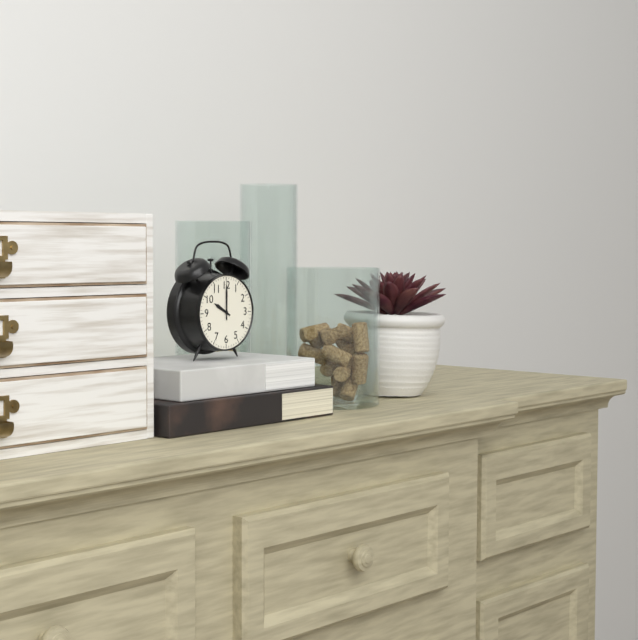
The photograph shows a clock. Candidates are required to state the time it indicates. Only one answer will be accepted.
10:00
